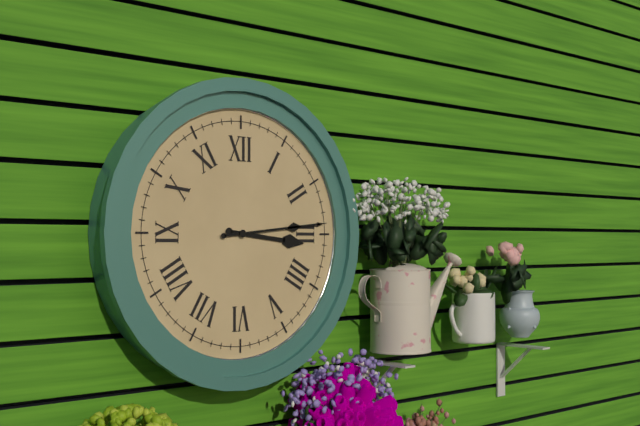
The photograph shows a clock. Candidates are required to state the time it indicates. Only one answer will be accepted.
3:14
